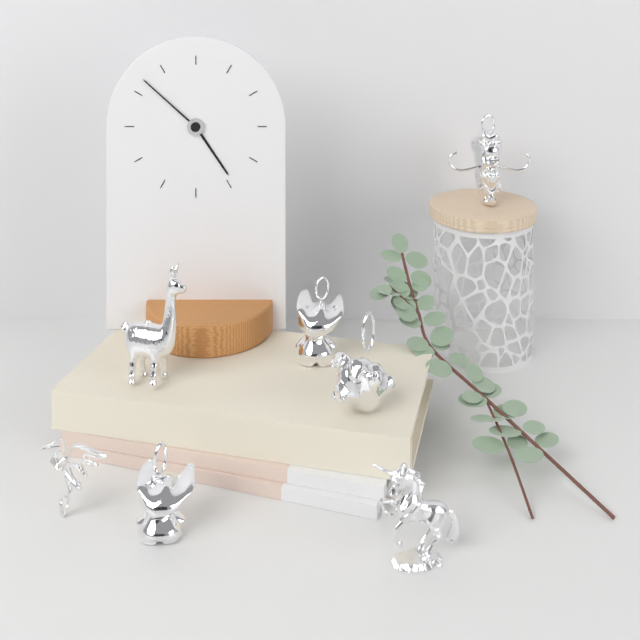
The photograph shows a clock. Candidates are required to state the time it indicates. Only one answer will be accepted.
4:52
